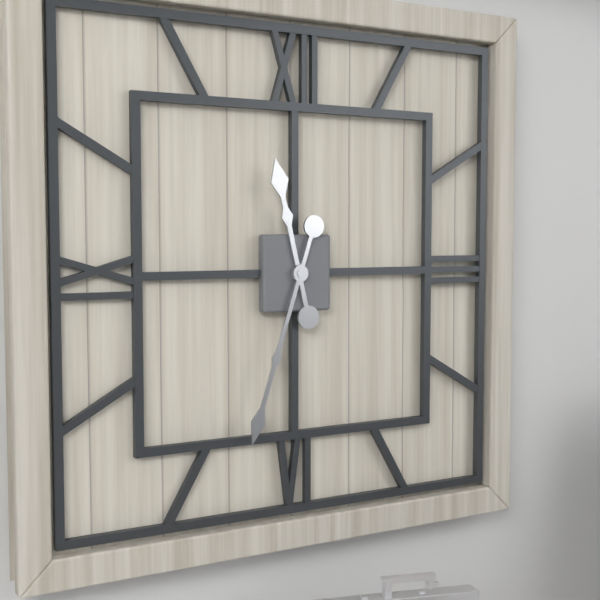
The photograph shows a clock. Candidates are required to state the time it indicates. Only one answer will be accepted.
11:33
